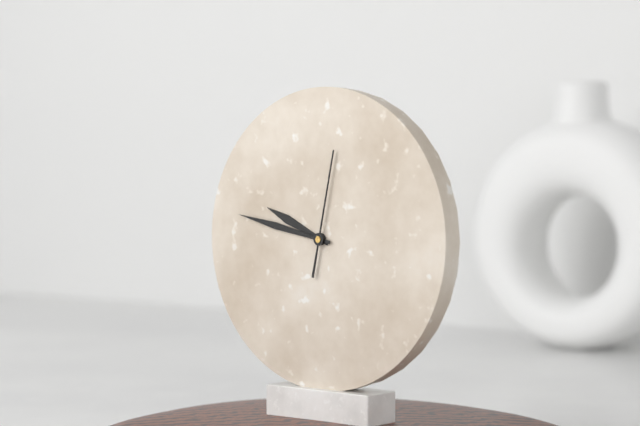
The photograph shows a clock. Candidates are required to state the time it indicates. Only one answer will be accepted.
9:47:02
